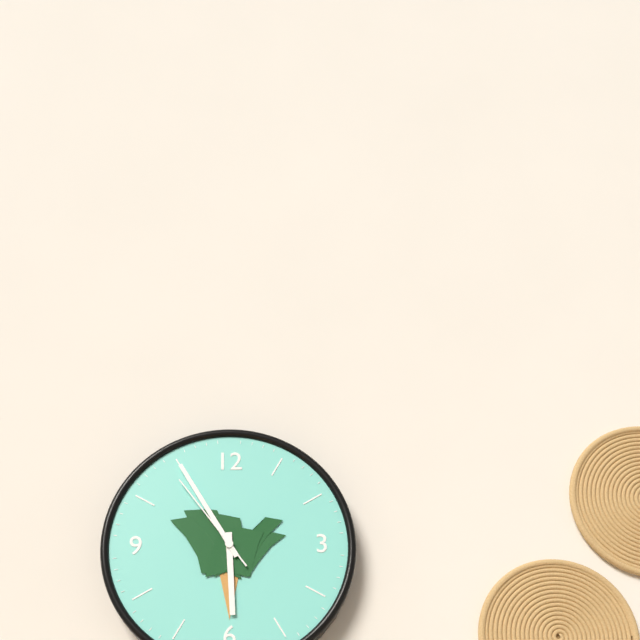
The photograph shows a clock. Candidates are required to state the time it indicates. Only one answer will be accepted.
5:55:54
